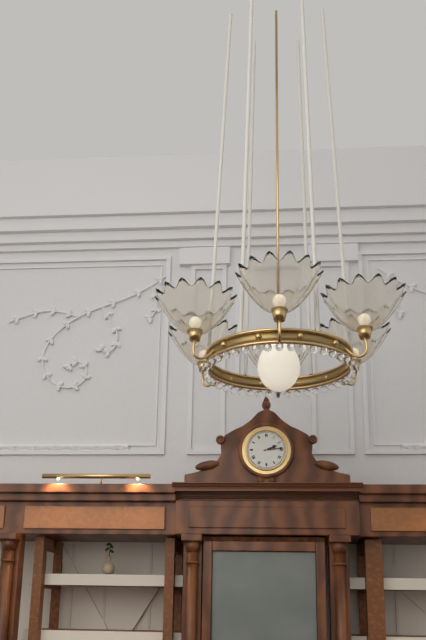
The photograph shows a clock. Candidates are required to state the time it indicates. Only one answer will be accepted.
2:14
